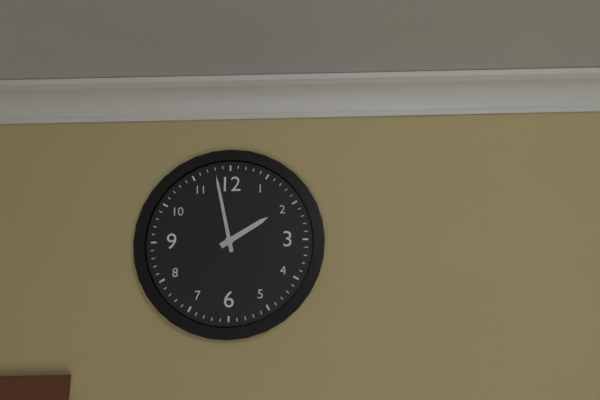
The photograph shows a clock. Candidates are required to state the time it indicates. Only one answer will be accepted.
1:58
